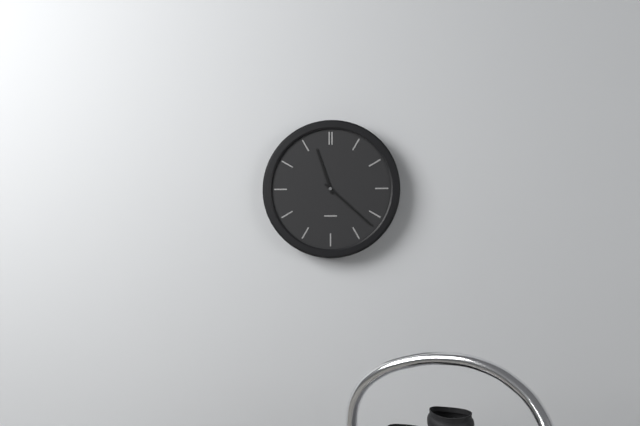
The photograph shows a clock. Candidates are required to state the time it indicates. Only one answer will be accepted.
11:22
